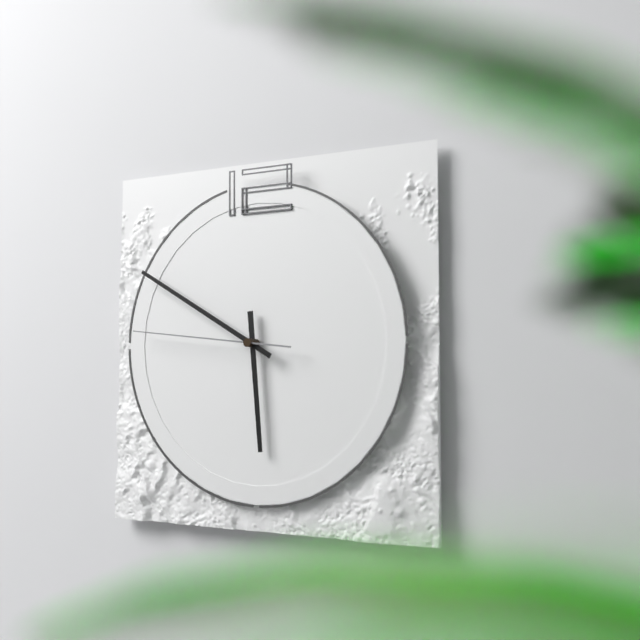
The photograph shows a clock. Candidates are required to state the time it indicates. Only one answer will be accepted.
5:50:46
